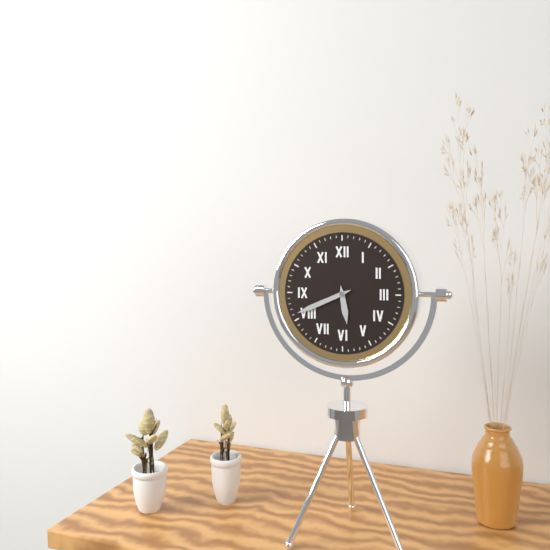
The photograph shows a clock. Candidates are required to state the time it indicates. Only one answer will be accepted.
5:41
